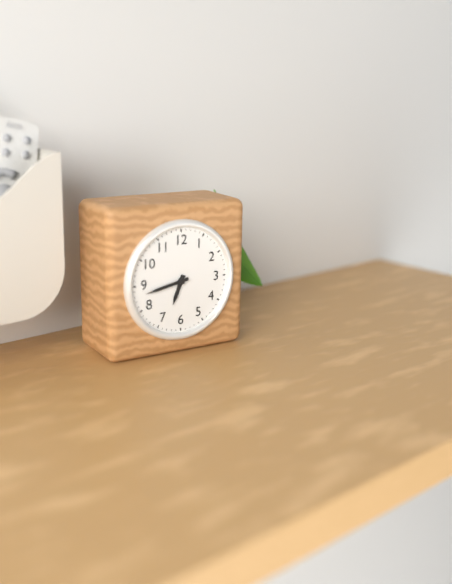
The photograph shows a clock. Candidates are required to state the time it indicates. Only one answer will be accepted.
6:43
